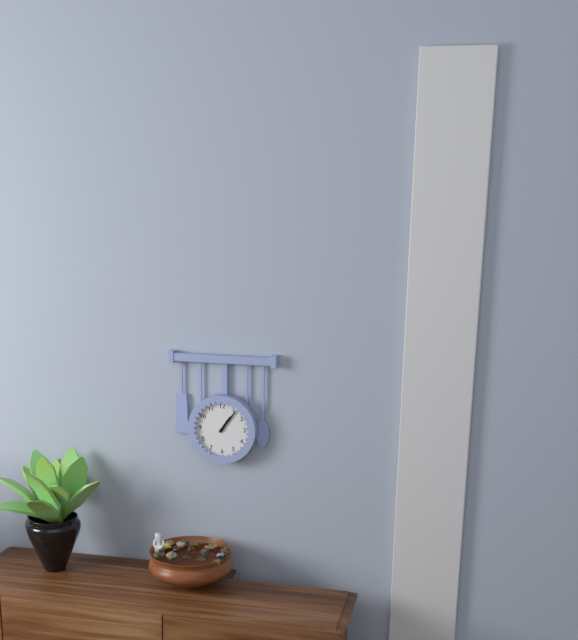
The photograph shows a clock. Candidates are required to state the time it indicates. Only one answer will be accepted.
1:06
